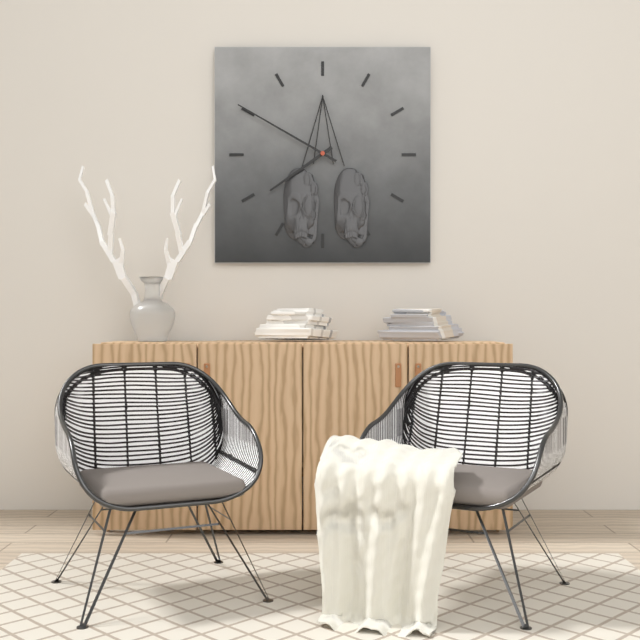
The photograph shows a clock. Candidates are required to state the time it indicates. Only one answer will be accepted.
7:50
